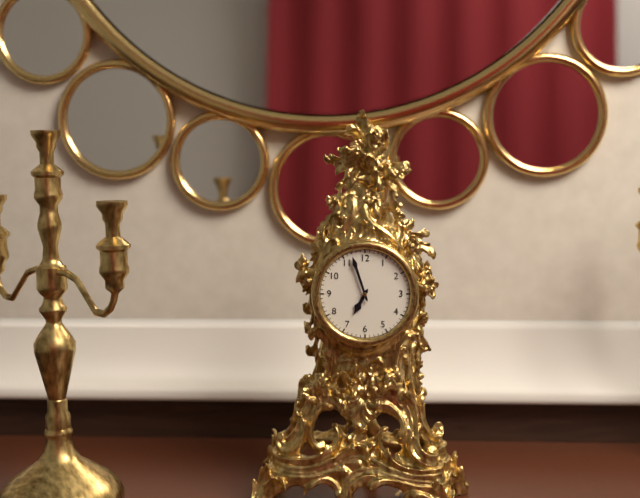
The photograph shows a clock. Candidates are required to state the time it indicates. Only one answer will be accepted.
6:57
